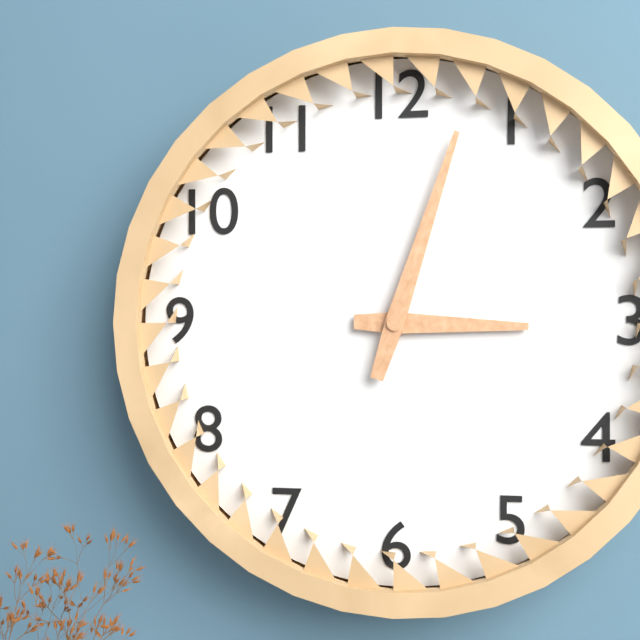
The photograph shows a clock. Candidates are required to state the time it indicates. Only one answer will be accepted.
3:03
